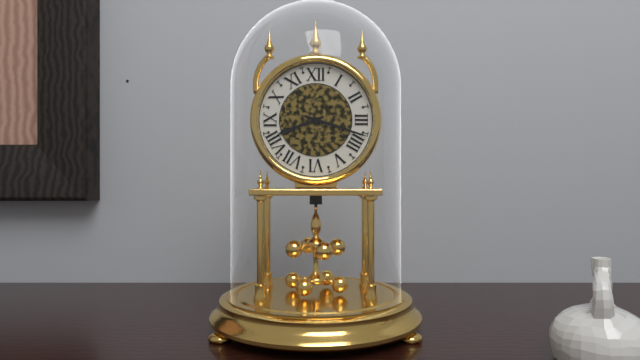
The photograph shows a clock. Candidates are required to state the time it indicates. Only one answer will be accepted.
8:18
